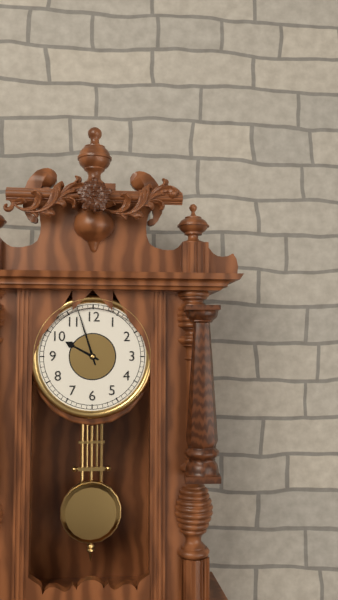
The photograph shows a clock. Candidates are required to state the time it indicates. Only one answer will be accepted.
9:57
